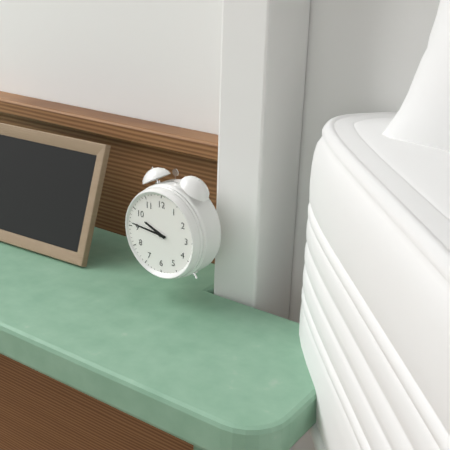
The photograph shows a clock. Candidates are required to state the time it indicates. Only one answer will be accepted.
9:46
